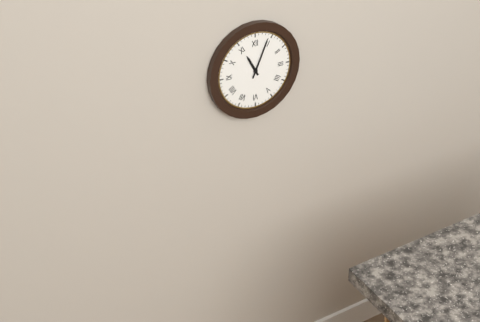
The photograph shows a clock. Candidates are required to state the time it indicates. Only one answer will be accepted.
11:04
